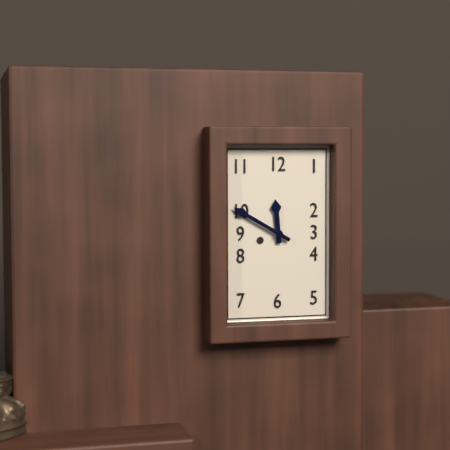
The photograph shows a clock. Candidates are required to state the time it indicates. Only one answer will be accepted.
11:50
